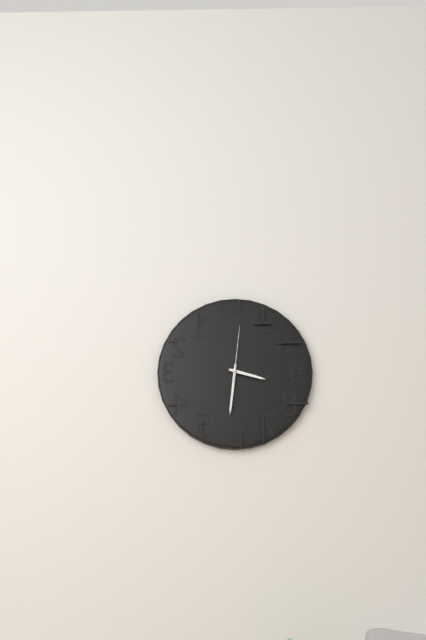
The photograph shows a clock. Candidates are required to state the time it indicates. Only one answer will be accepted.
3:31:01
